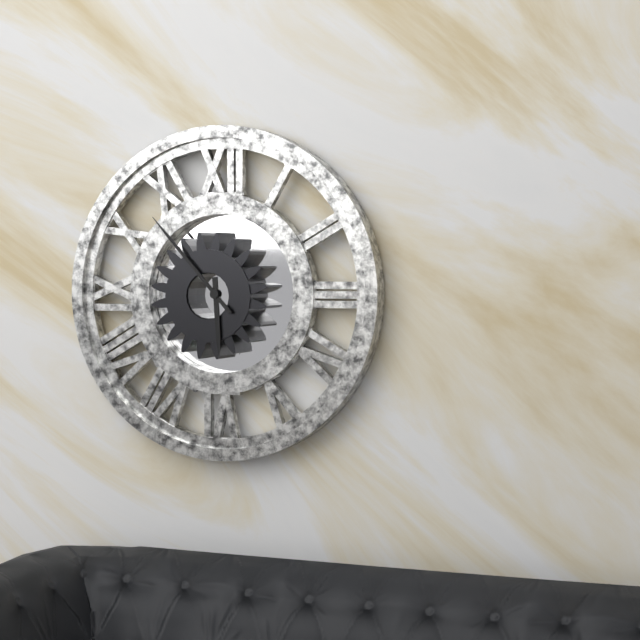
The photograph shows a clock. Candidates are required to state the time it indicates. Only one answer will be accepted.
5:53
